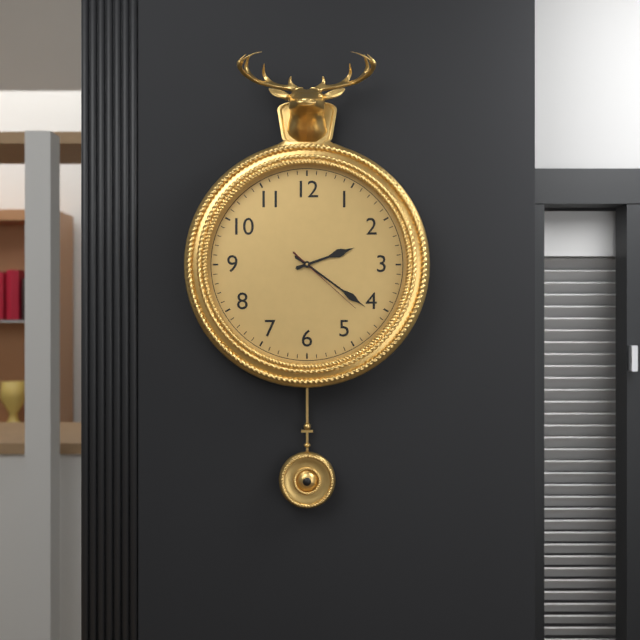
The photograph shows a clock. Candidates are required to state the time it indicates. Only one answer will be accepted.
2:21:22
